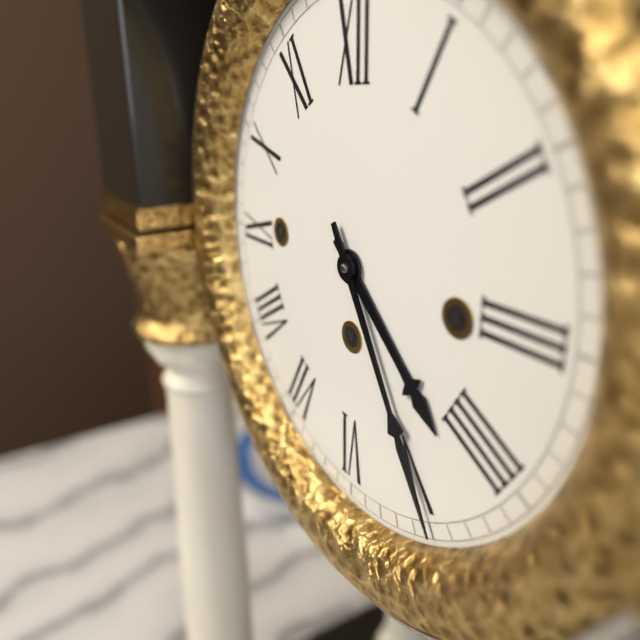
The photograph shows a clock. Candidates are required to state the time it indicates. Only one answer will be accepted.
4:25
